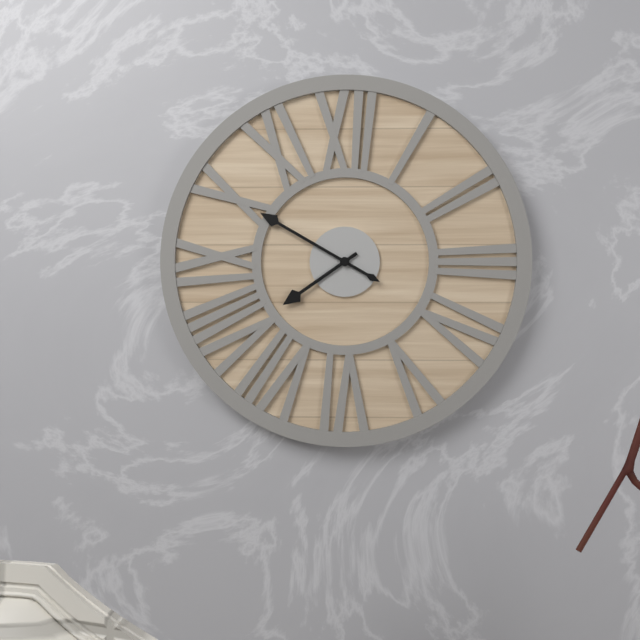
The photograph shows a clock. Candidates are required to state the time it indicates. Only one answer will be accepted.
7:50
